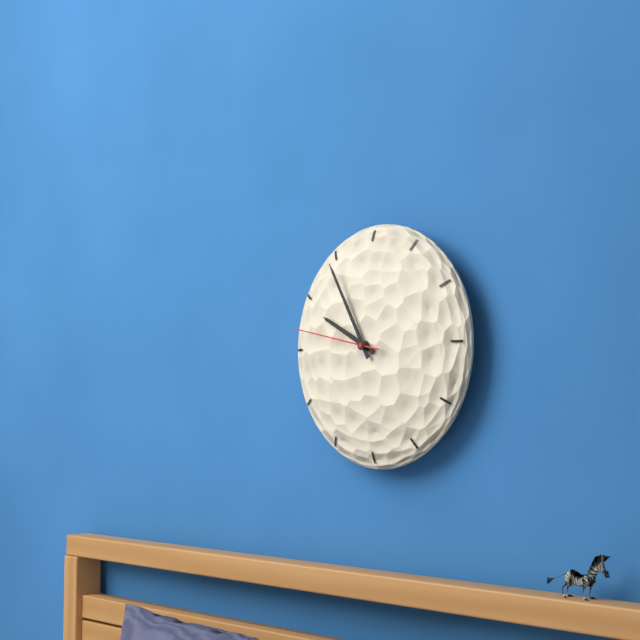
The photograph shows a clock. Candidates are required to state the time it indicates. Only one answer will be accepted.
9:55:47
